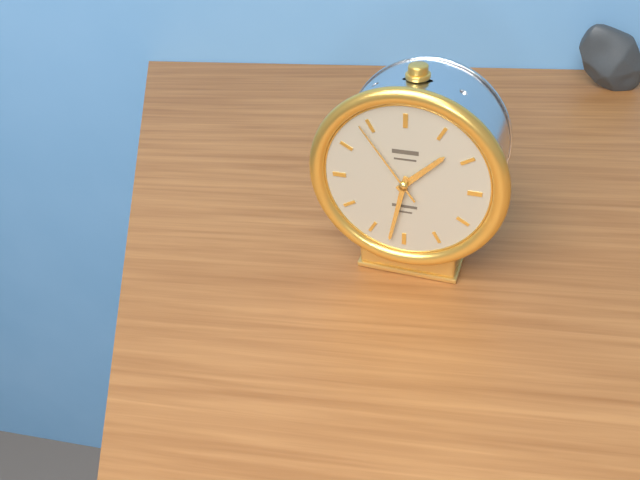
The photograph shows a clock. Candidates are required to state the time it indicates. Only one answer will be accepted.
1:32:54
